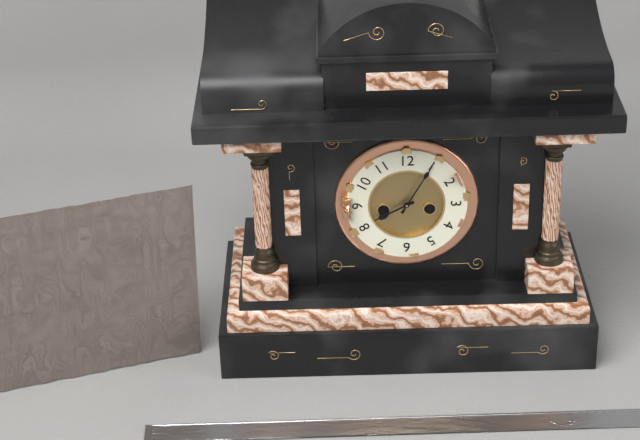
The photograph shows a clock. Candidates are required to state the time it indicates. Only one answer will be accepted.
8:05
